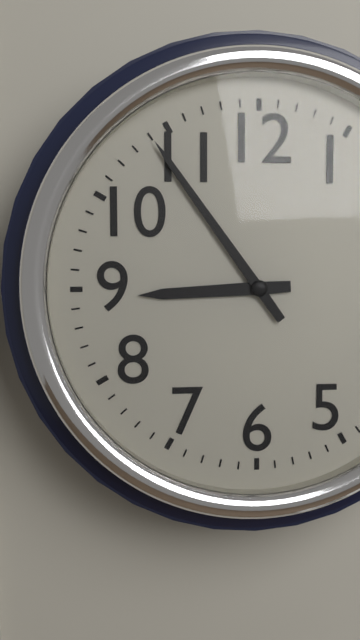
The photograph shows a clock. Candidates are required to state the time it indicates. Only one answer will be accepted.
8:54
